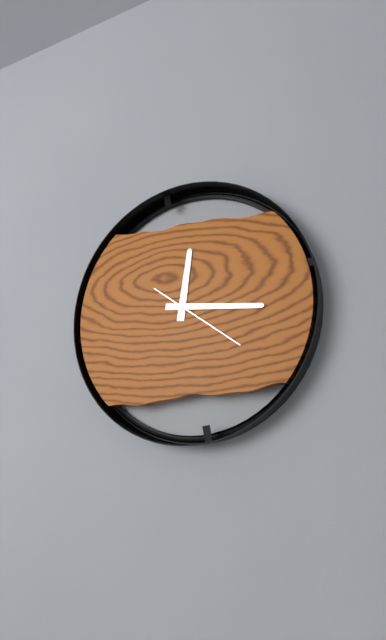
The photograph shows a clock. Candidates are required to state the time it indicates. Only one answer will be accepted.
12:16:21
